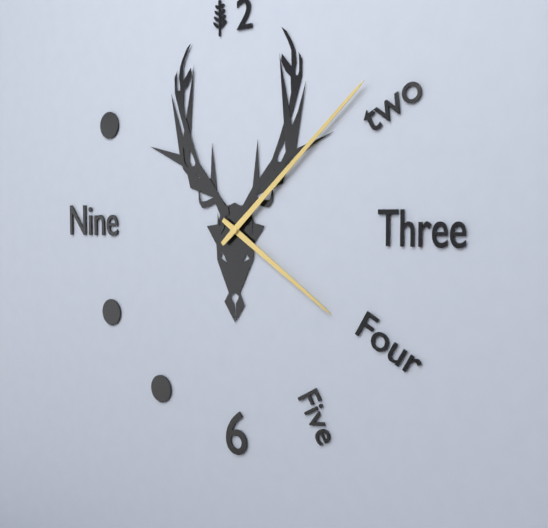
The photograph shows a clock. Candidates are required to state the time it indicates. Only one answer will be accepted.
4:08
